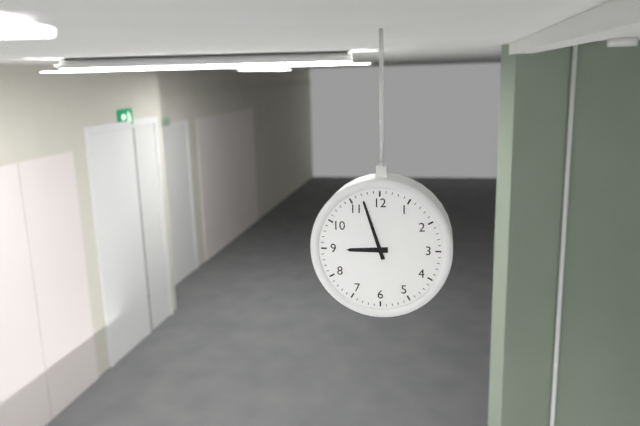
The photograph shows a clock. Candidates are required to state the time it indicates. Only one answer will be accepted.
8:57
